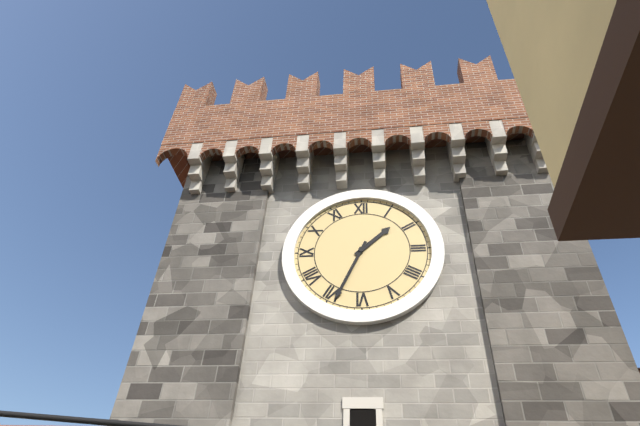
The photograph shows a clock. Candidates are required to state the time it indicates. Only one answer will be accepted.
1:34
